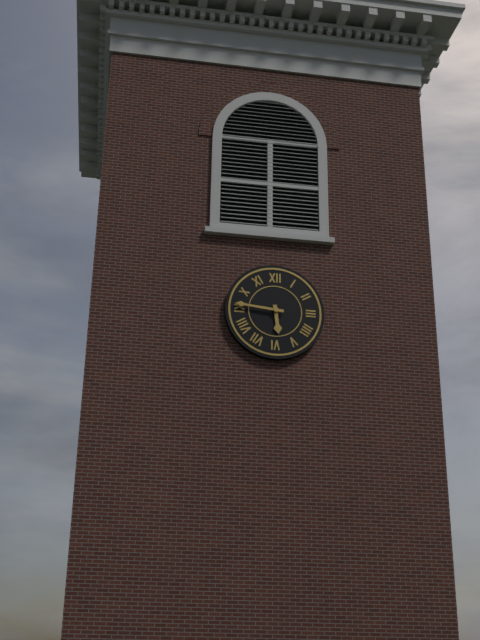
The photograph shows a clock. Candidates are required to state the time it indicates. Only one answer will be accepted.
5:46
